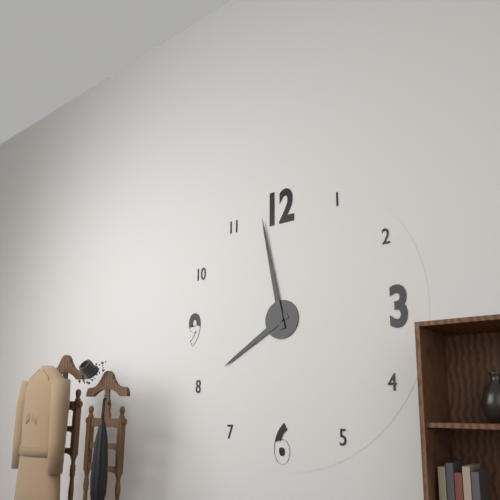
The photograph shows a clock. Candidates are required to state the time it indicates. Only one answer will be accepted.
7:58
